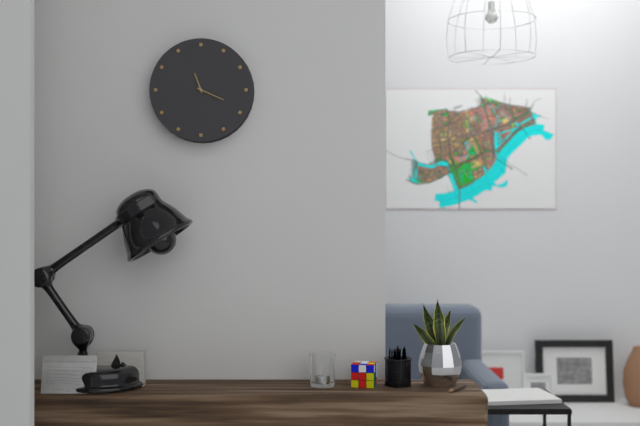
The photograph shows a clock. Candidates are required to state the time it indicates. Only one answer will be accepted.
11:19
